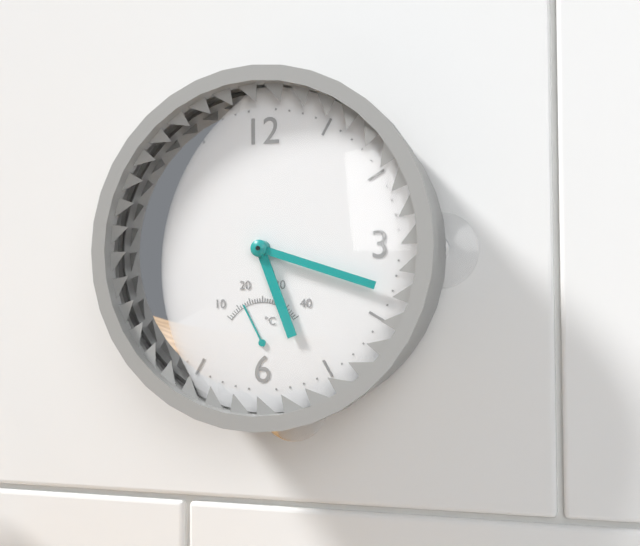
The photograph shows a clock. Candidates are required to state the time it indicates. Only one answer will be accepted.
5:18
